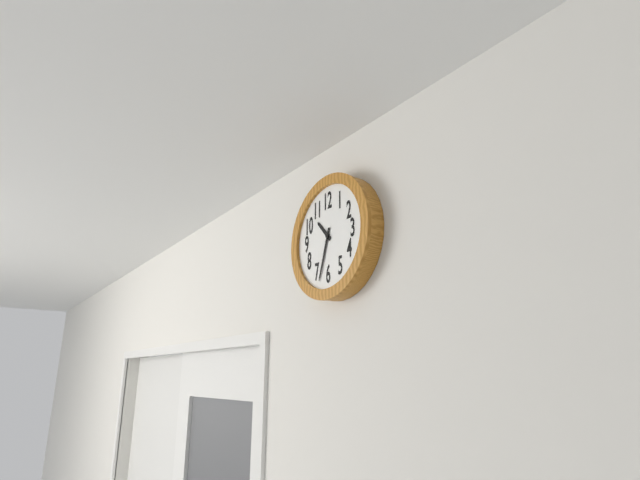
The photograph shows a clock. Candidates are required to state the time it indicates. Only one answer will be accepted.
10:33
